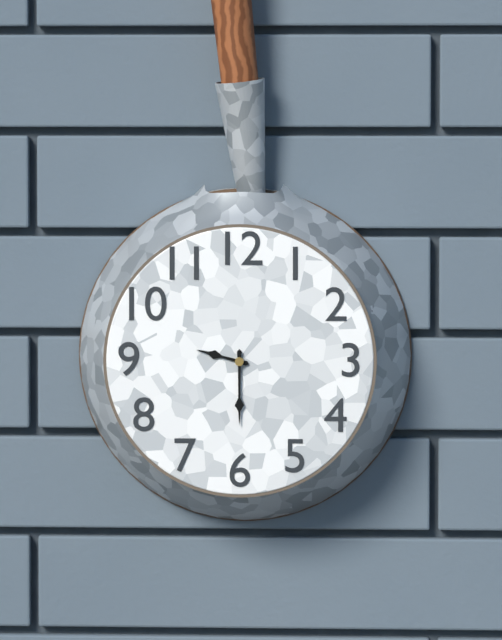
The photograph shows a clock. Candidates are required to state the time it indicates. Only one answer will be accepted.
9:30
